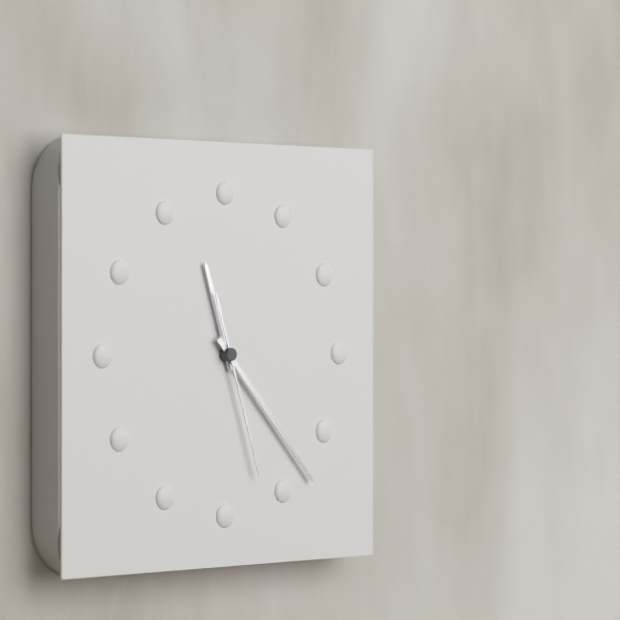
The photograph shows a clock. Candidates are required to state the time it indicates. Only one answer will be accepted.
11:23:27
